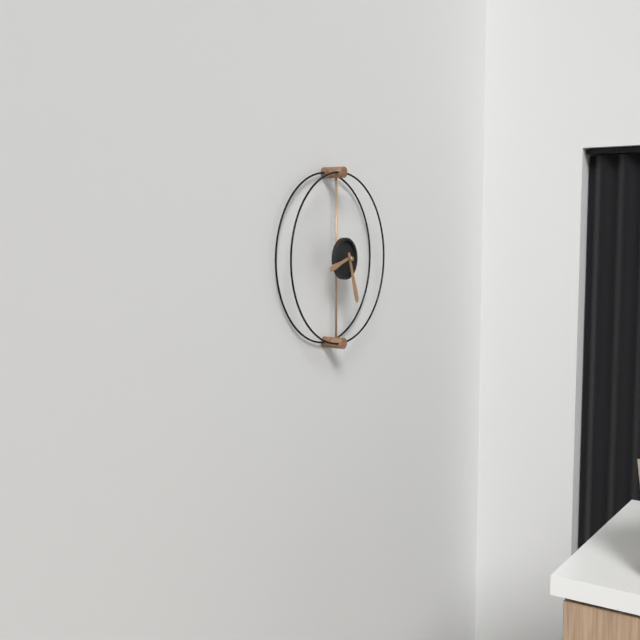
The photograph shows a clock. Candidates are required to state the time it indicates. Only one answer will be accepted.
8:27
